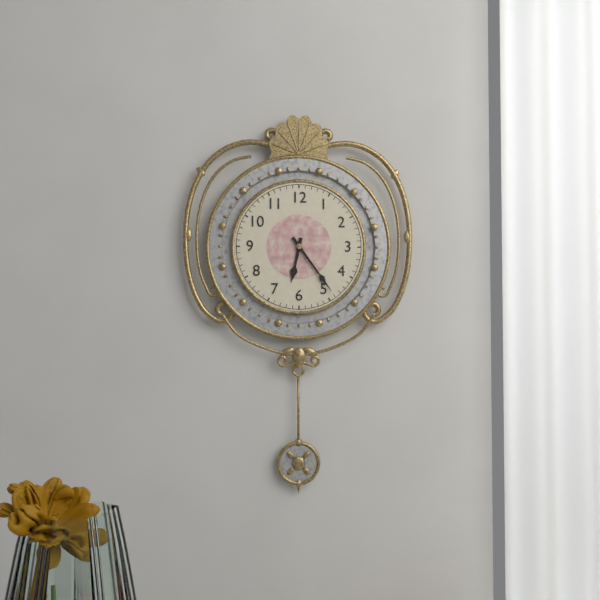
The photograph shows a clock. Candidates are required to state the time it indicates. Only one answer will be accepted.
6:24
